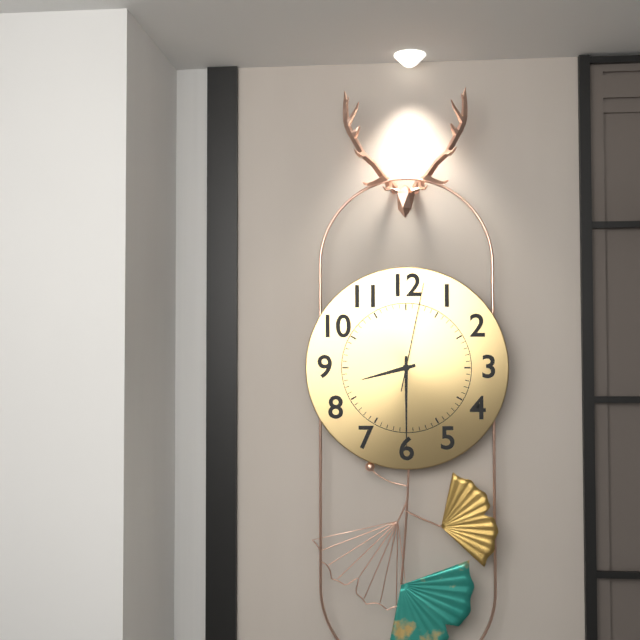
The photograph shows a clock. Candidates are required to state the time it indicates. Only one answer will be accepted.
8:30:02
